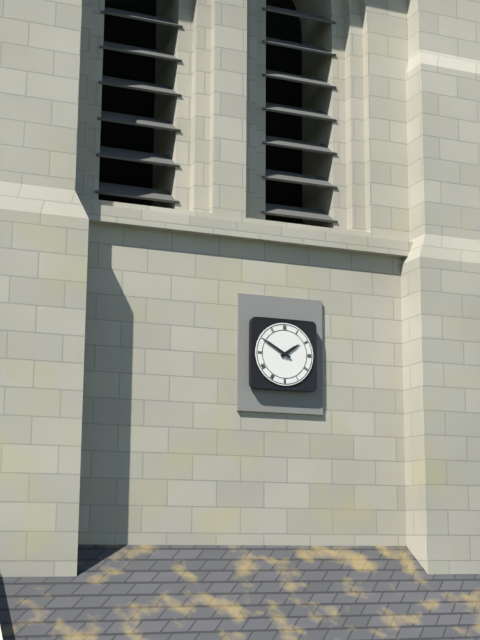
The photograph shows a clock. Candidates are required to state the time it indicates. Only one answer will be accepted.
1:50
